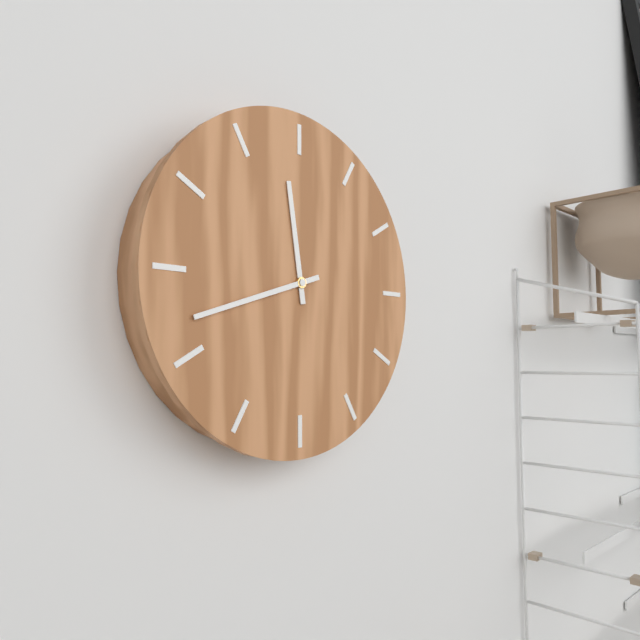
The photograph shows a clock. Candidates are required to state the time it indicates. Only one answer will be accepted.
11:42
